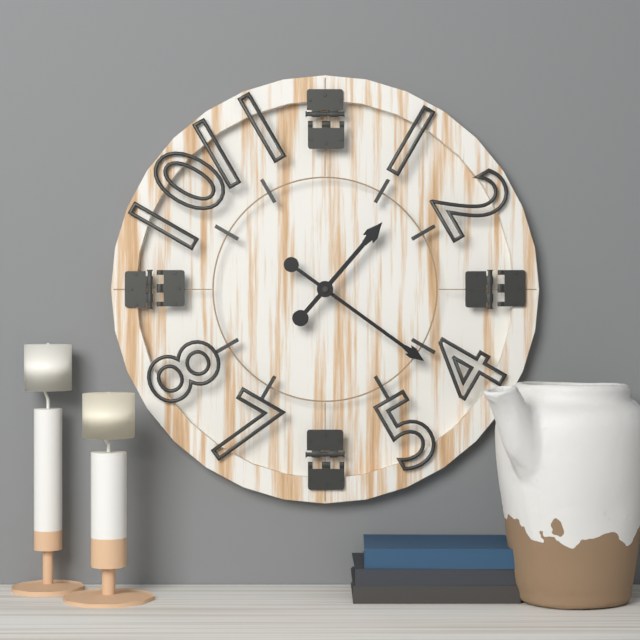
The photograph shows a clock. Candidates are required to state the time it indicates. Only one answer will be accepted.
1:21
